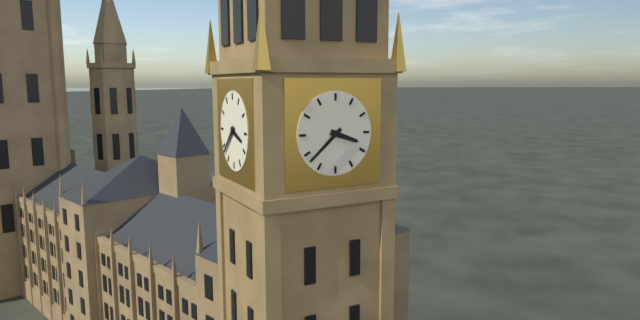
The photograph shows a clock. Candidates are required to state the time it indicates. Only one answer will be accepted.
3:38
